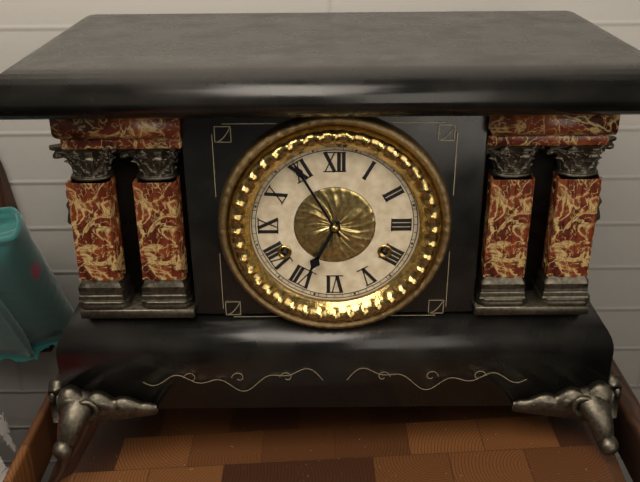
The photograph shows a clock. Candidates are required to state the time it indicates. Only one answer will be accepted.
6:55
